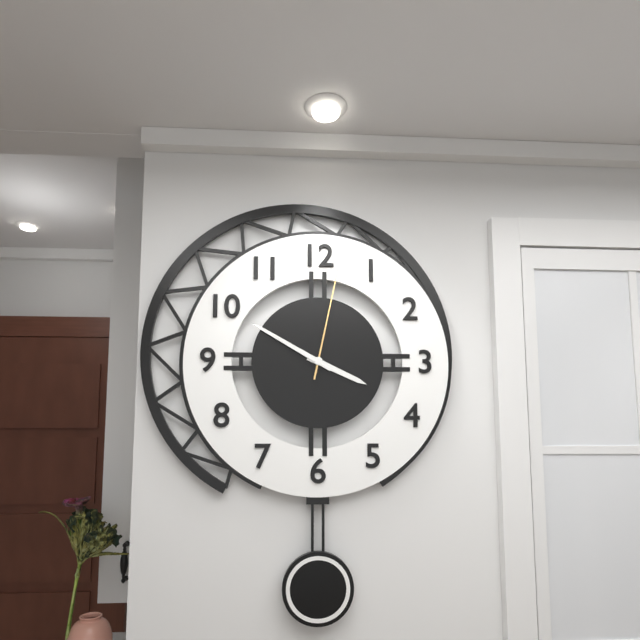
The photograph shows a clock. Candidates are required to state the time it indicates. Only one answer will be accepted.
3:50:02
